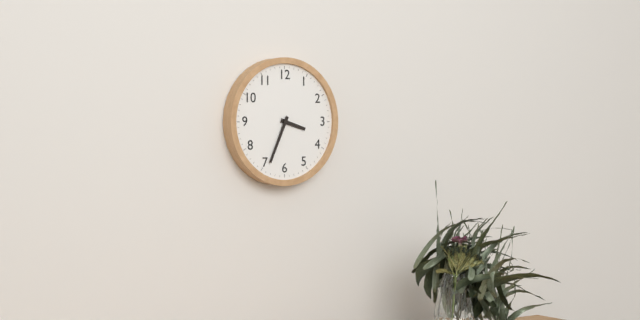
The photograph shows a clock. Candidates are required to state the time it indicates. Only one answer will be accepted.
3:34
